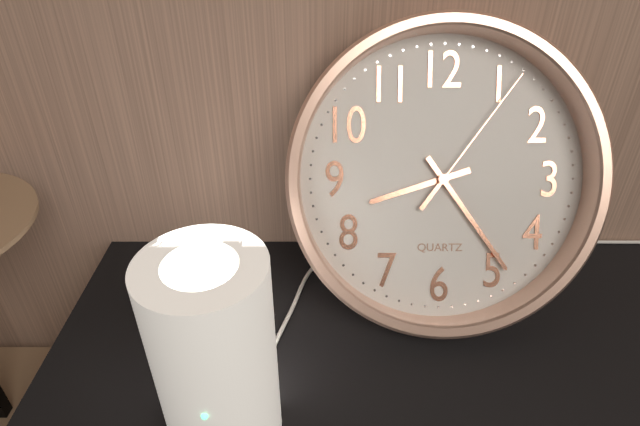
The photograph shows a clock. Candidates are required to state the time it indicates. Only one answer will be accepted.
8:24:06
